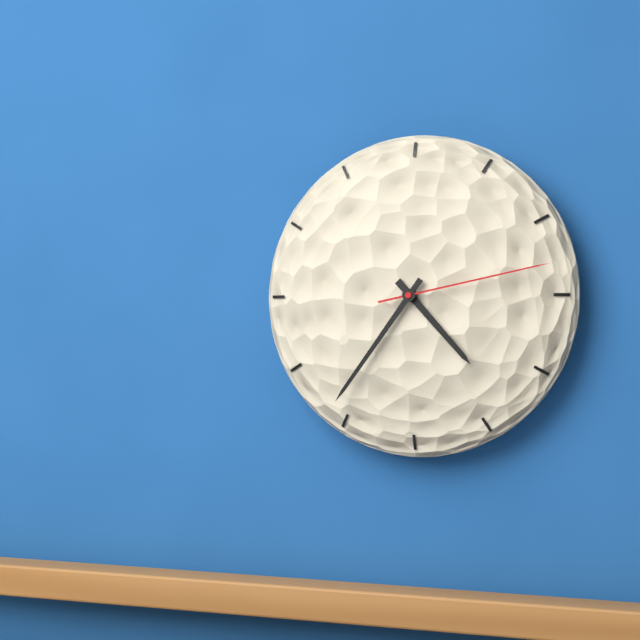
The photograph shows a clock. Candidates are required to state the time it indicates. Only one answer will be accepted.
4:36:13
